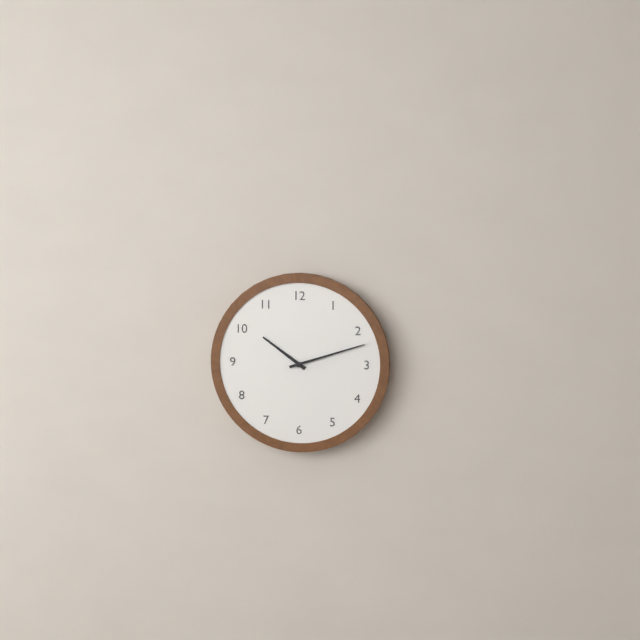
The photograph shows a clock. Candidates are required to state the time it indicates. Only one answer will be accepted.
10:12
